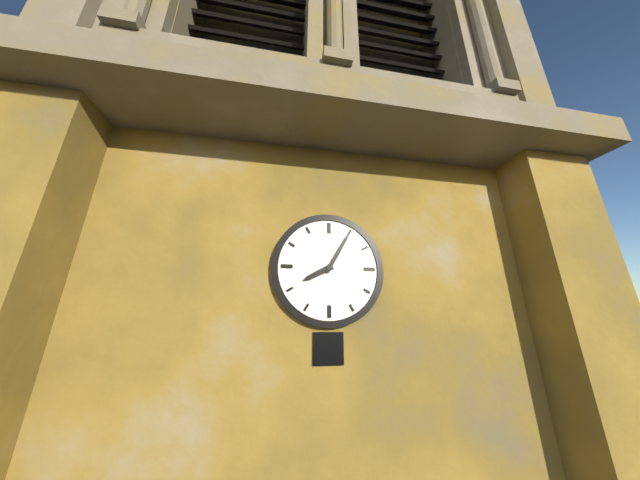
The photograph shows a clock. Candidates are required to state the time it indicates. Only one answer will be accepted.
8:05
